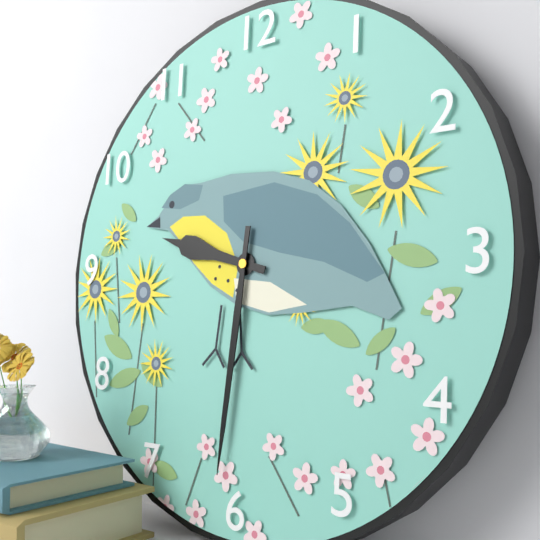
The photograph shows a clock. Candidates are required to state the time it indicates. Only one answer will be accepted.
9:31
